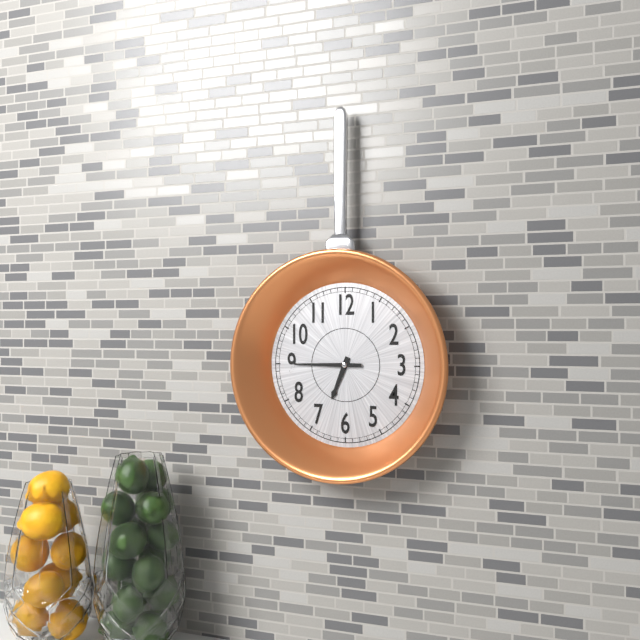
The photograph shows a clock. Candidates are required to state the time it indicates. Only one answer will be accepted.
6:45
